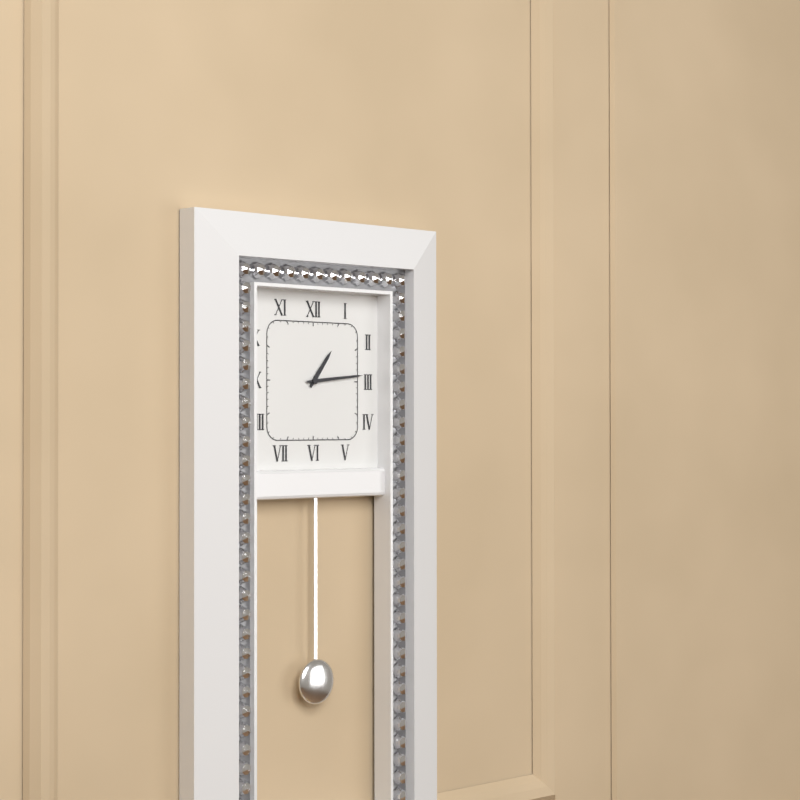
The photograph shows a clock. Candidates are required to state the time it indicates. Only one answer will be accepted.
1:14
